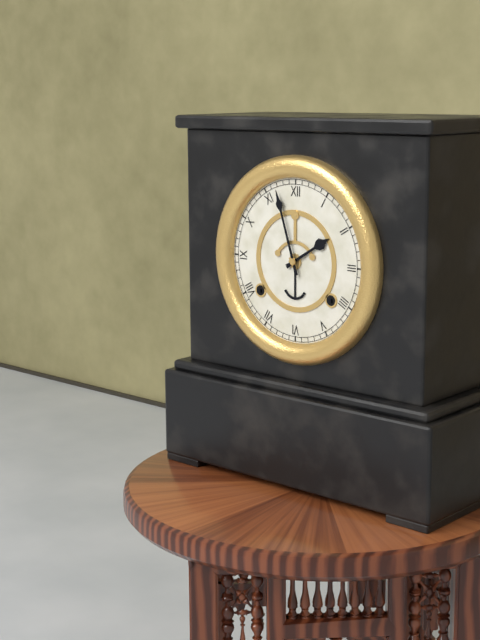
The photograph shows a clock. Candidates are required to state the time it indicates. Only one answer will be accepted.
1:57
